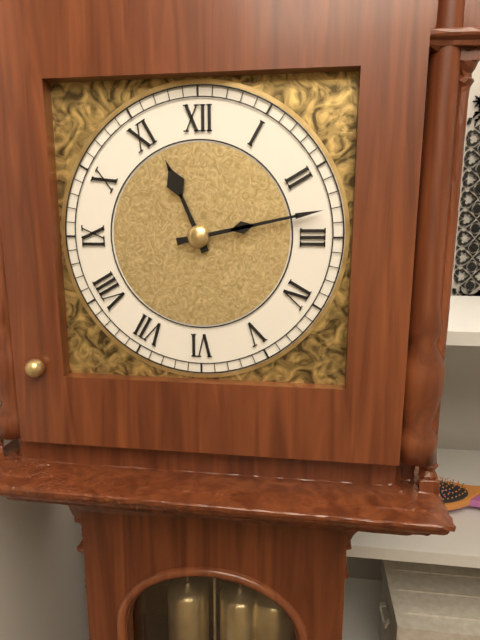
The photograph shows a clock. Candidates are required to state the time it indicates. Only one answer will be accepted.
11:13
